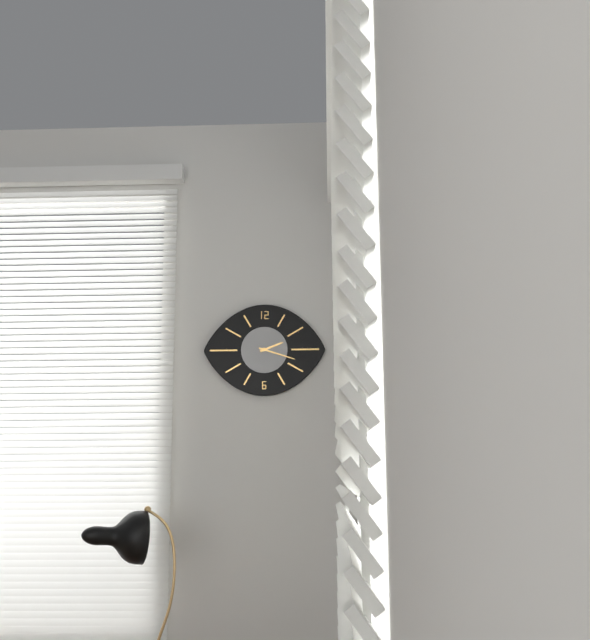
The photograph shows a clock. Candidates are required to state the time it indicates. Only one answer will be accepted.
2:18
